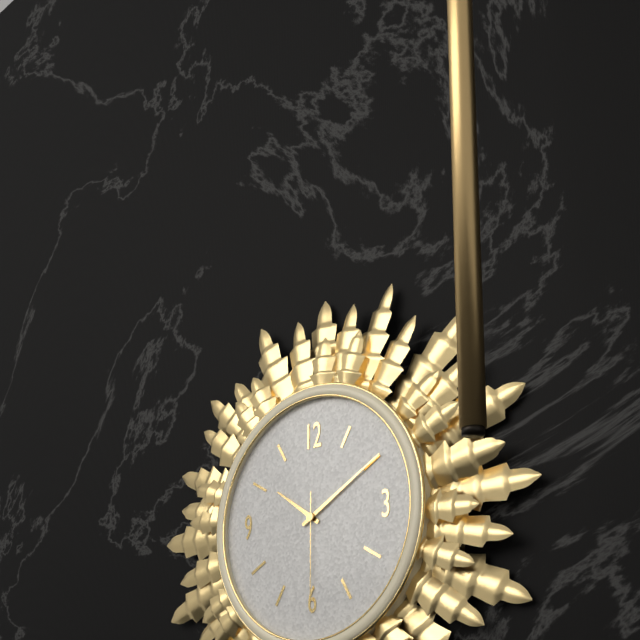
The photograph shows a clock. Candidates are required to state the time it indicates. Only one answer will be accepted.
10:10:30
